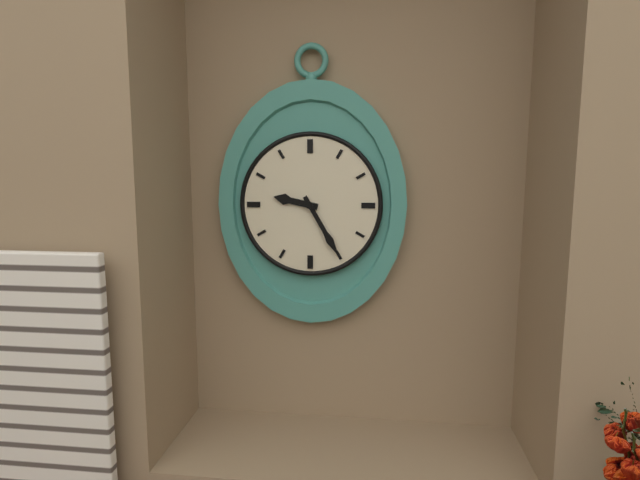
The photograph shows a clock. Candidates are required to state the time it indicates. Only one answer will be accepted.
9:25
